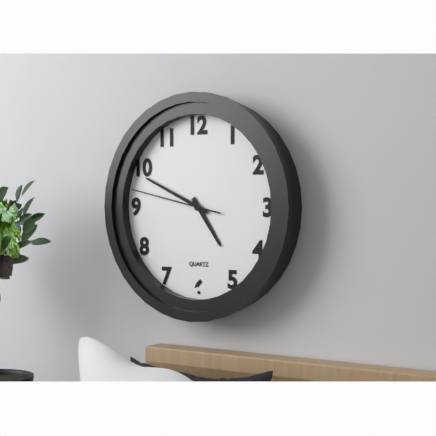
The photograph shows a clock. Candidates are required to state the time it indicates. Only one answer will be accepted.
4:49:47
